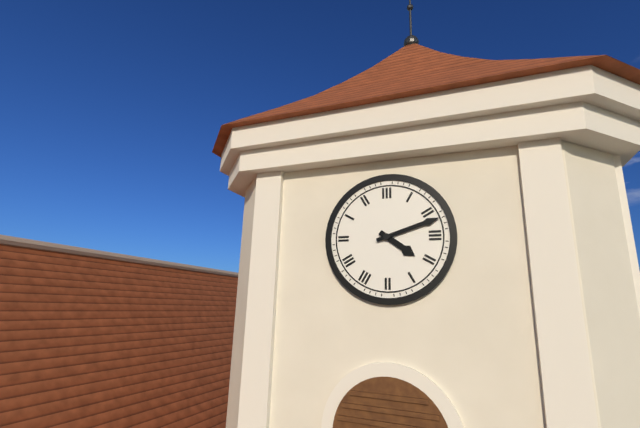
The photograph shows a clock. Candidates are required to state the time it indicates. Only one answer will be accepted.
4:12
